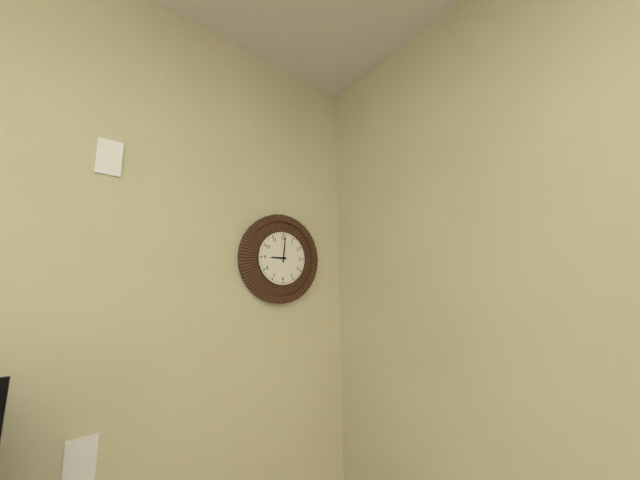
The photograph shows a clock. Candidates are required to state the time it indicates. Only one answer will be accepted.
9:01
